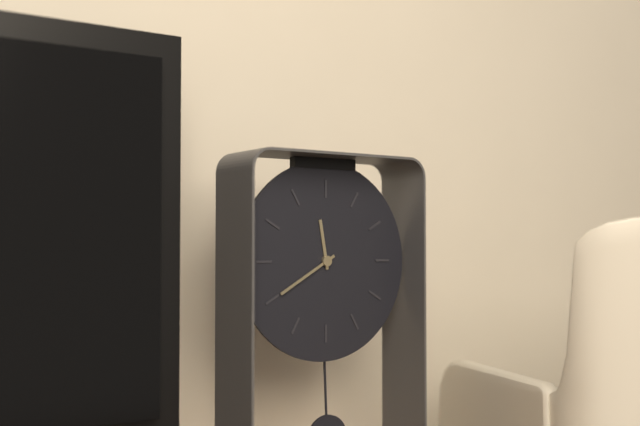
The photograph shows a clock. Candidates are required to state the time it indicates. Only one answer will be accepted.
11:40
